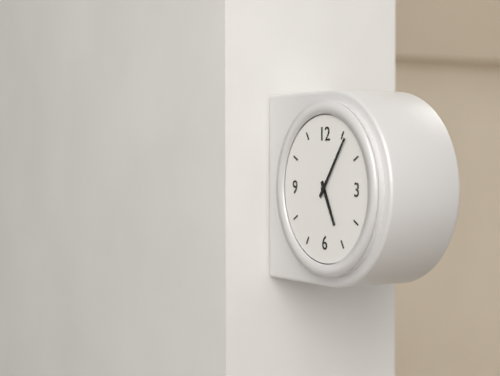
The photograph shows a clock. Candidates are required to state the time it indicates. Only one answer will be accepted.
5:06
